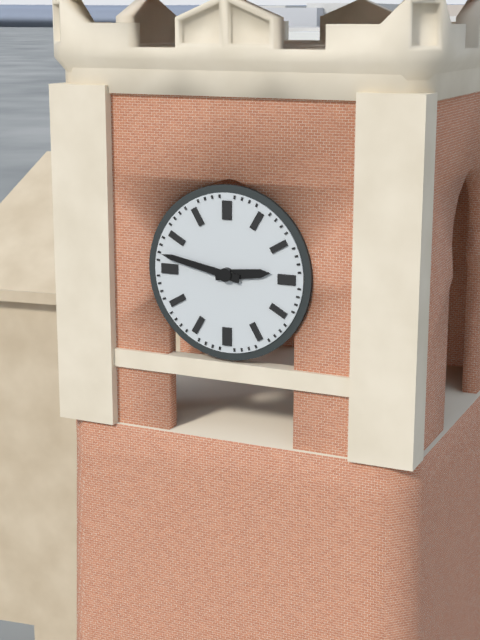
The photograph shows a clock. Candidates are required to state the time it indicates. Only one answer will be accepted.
2:47
